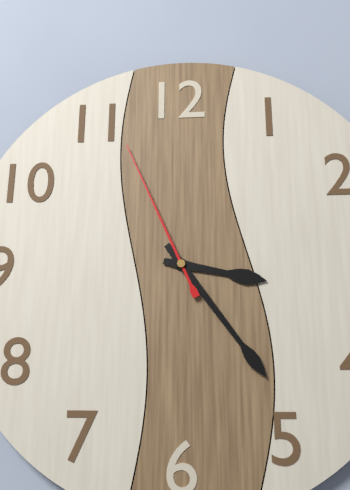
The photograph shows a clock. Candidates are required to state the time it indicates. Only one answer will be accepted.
3:24:56
